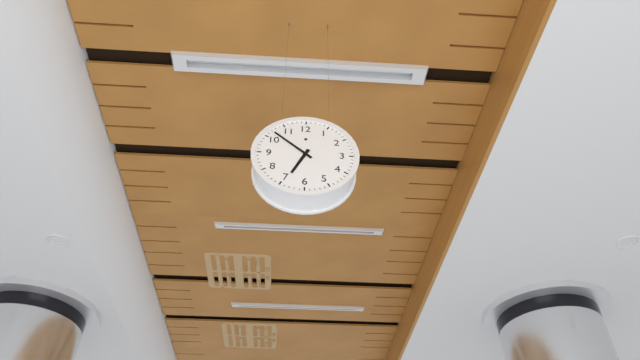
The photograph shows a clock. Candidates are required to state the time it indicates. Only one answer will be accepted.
6:52
